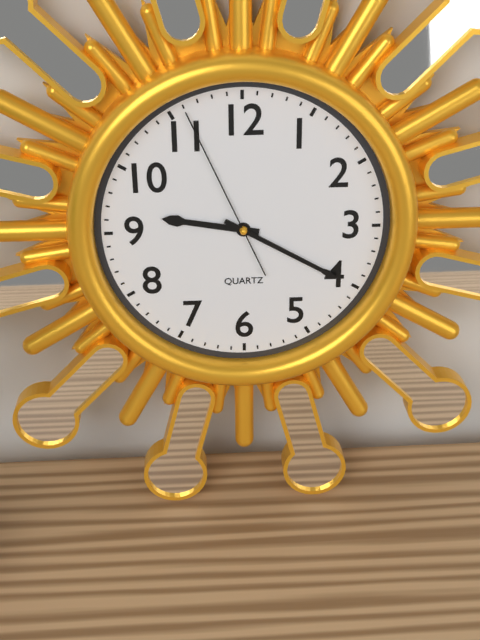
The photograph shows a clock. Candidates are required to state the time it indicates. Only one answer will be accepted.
9:20:56
